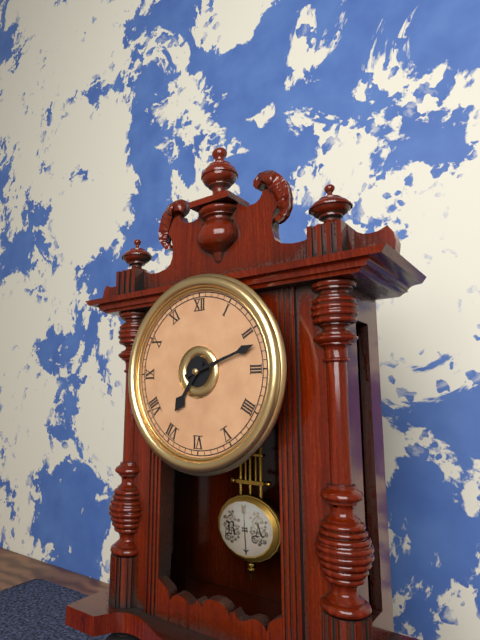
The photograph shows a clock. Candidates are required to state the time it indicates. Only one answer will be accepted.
7:12
